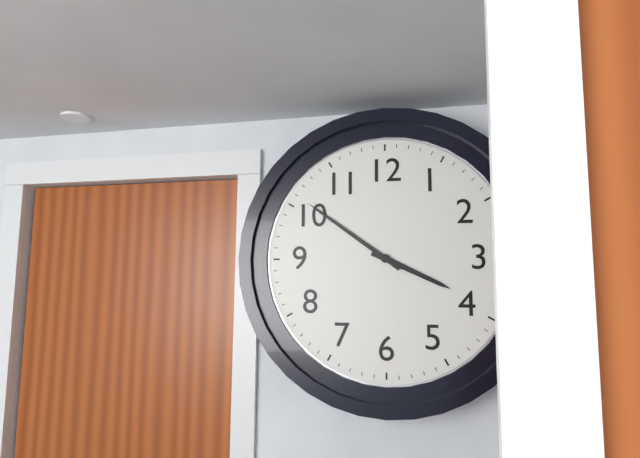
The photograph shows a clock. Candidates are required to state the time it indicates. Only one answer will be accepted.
3:51
